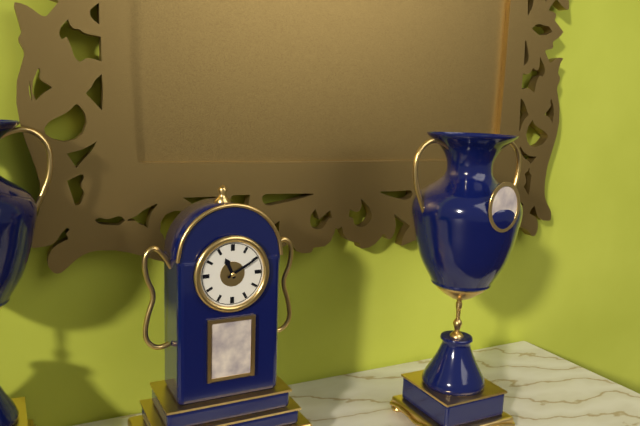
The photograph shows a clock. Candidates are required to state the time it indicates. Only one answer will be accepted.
11:10
